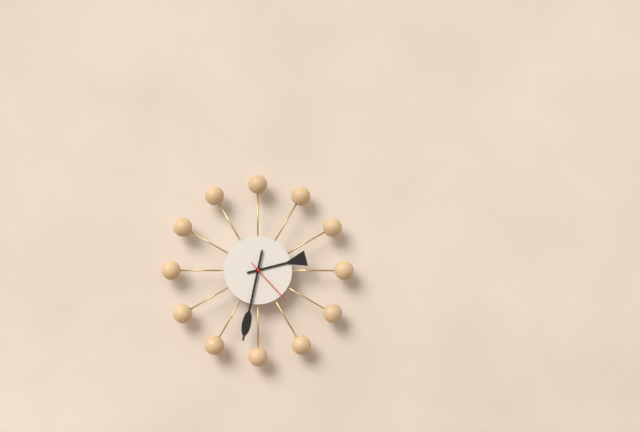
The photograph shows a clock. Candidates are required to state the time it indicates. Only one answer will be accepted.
2:32:23
